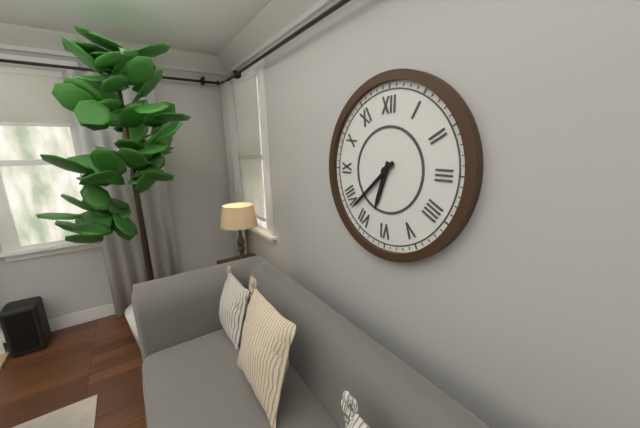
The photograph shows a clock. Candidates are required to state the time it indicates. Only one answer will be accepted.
6:38
